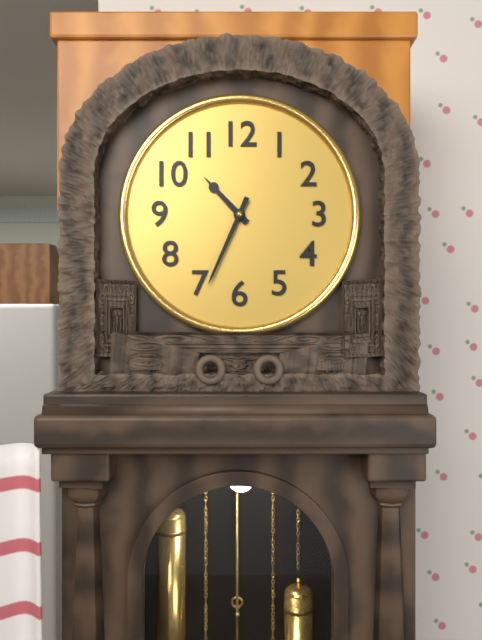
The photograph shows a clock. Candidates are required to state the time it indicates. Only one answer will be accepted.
10:34
